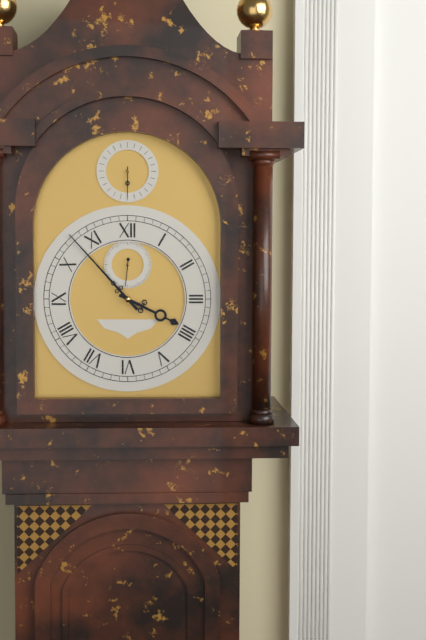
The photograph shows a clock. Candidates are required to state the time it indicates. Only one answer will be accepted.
3:53
